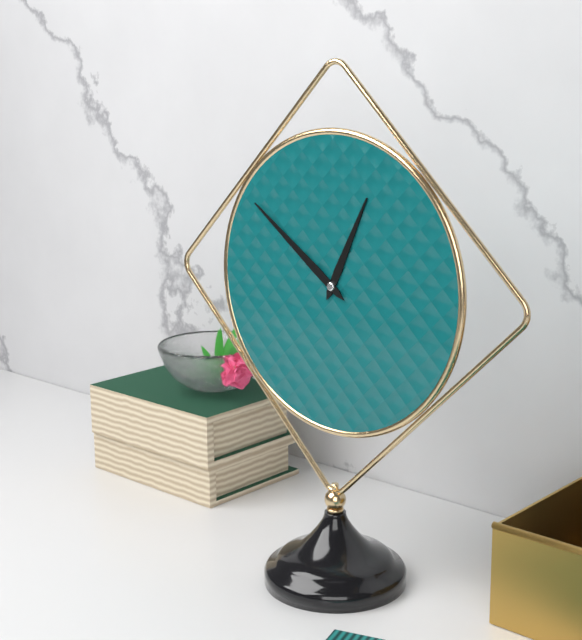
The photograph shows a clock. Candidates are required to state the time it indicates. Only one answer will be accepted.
12:51
